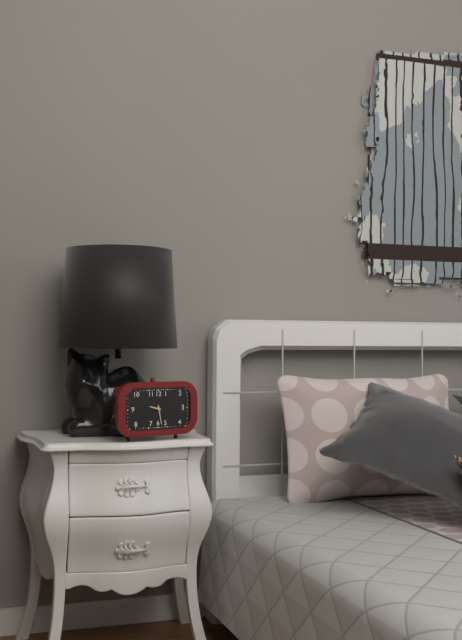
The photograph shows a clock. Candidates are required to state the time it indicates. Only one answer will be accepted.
9:28
